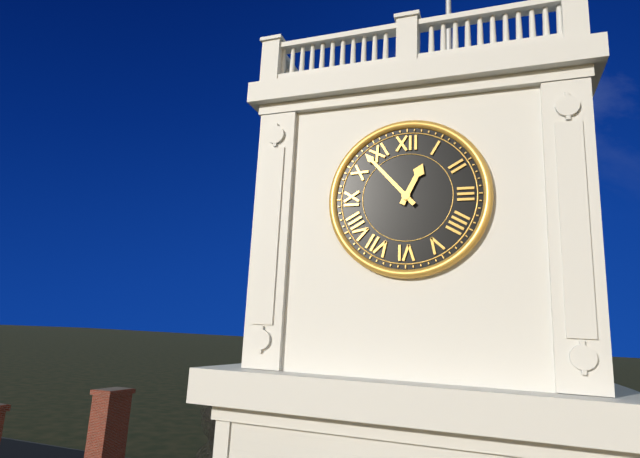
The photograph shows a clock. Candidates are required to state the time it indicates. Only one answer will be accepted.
12:53
